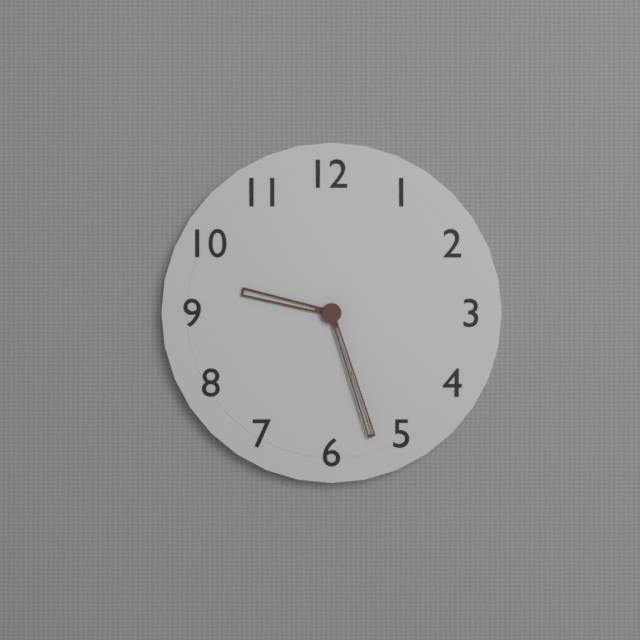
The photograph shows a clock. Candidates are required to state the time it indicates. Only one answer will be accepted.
9:27
